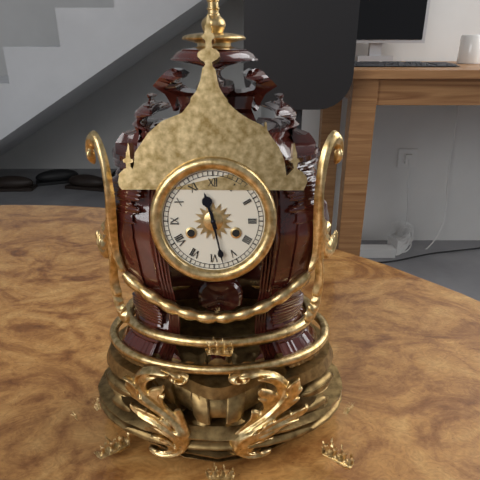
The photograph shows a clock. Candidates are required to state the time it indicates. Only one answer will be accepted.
11:28
